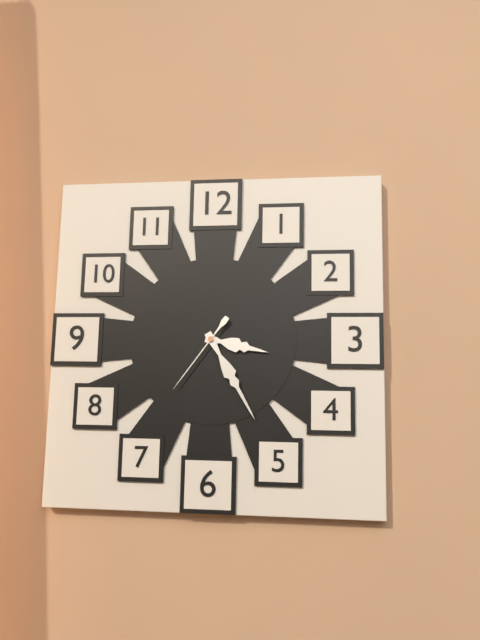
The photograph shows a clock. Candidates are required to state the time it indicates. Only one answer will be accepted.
3:25:36
